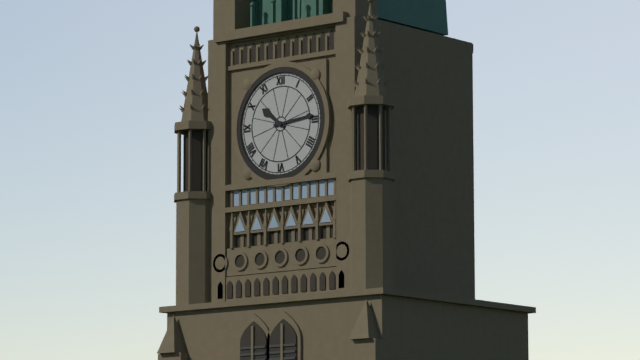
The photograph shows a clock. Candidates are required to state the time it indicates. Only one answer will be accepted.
10:14
